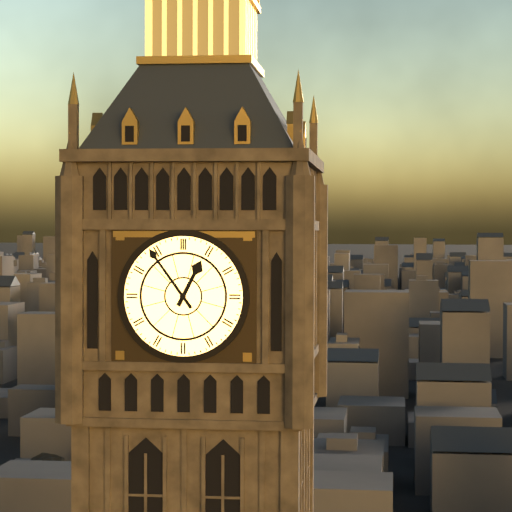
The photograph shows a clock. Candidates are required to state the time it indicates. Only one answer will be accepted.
12:54
